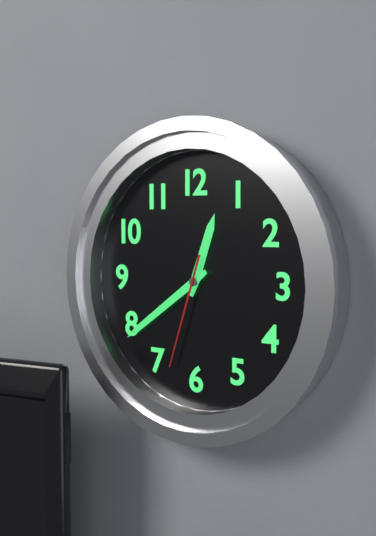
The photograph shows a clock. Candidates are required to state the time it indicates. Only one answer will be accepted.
12:39:33
